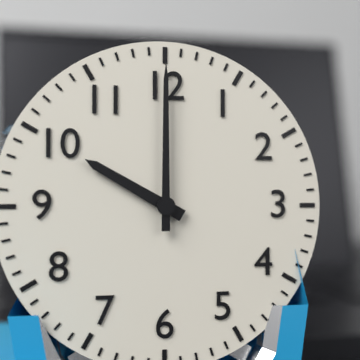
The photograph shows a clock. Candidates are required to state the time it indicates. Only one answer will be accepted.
10:00
